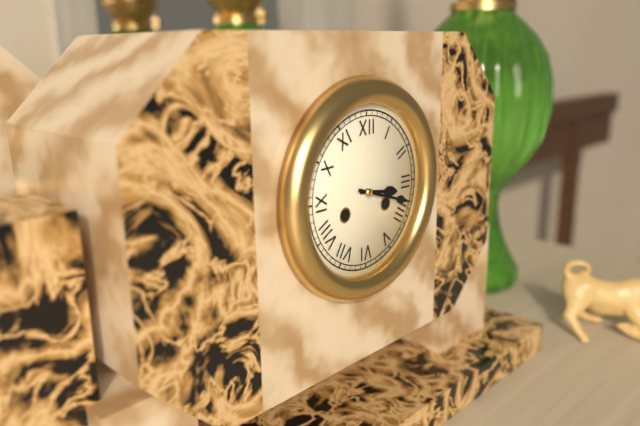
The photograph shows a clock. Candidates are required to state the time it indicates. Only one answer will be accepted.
3:18
